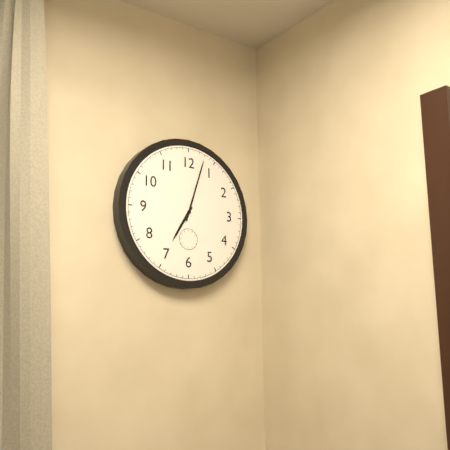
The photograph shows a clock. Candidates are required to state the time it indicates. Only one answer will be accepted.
7:03
